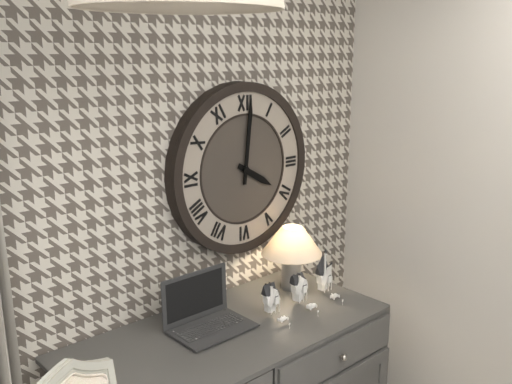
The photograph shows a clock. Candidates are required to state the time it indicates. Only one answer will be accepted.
4:01
